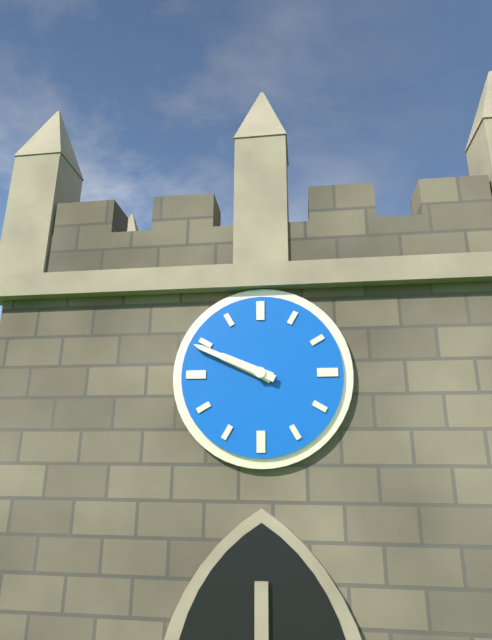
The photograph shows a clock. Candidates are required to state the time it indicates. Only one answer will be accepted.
9:49
